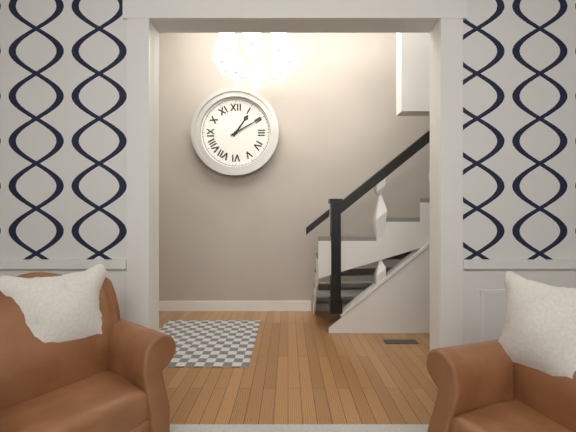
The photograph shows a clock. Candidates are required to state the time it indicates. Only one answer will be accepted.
1:10
